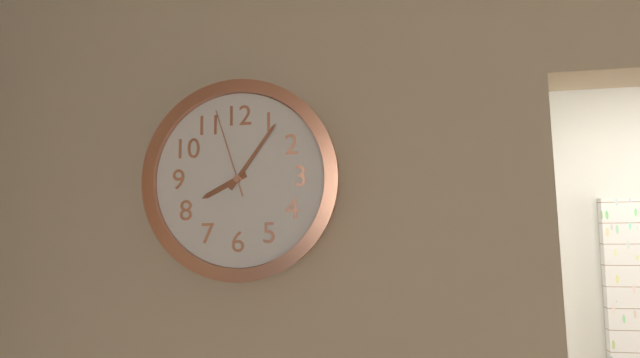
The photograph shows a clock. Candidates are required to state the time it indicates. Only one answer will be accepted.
8:06:57
